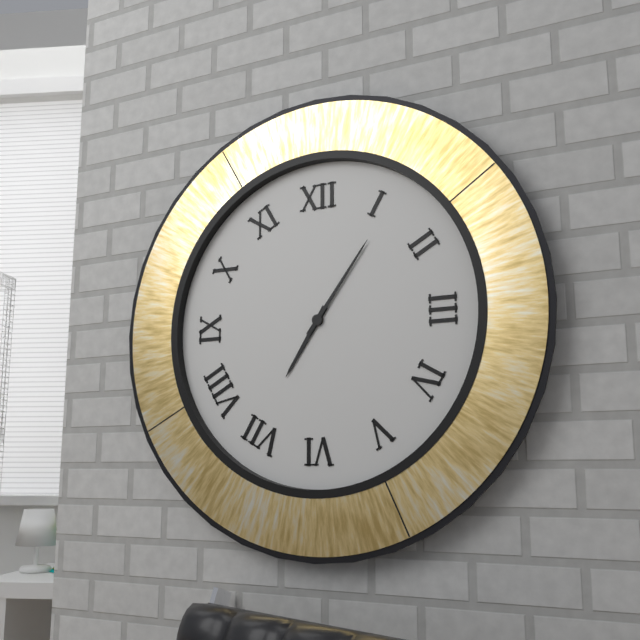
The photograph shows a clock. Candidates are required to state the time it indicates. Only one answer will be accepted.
7:06
